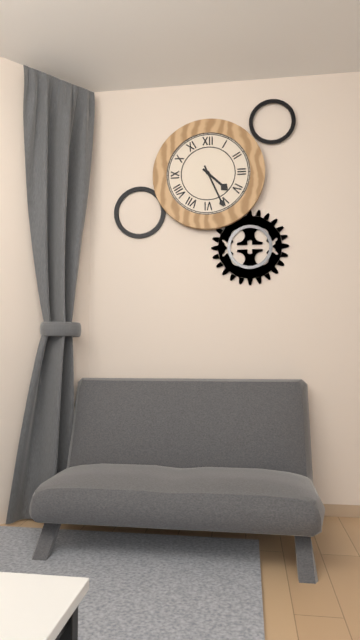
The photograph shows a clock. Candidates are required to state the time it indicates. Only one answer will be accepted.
4:26
